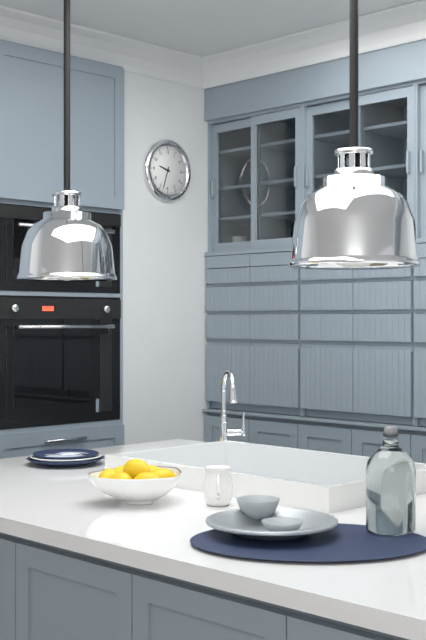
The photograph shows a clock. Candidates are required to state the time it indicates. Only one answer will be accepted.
9:33
